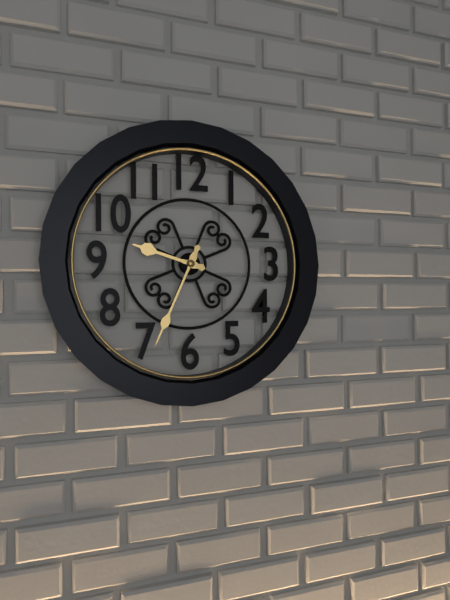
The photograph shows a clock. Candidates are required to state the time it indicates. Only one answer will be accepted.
9:34
